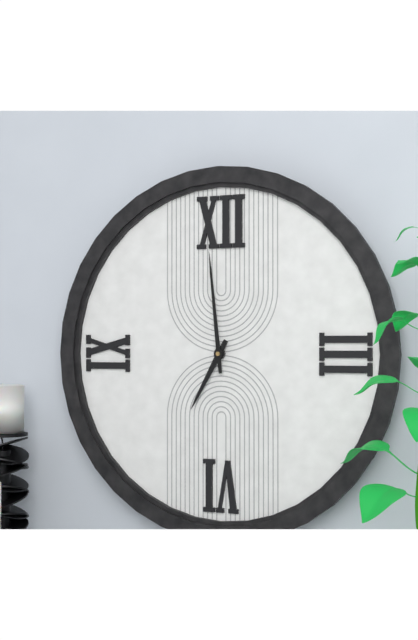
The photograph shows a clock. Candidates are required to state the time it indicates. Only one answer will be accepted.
6:59
